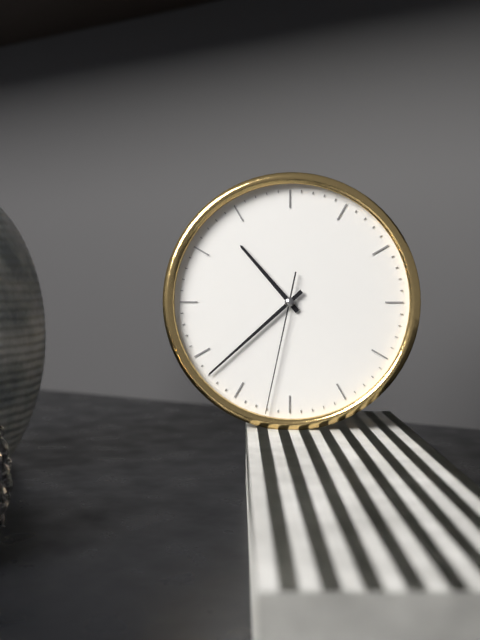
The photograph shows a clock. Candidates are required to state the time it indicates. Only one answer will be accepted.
10:38:32
